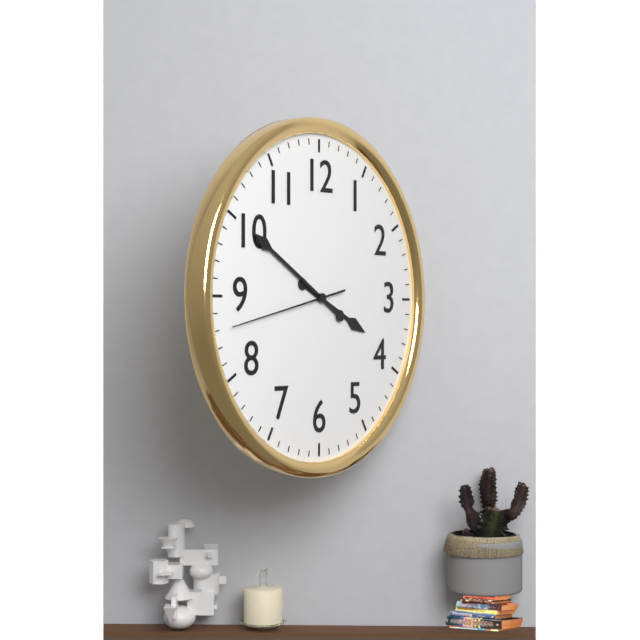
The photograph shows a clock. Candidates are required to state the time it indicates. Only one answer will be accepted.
3:50:43
